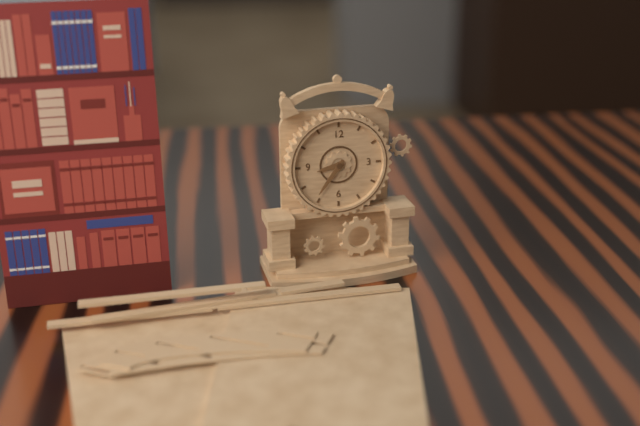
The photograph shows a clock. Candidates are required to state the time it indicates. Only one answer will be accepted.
8:36
